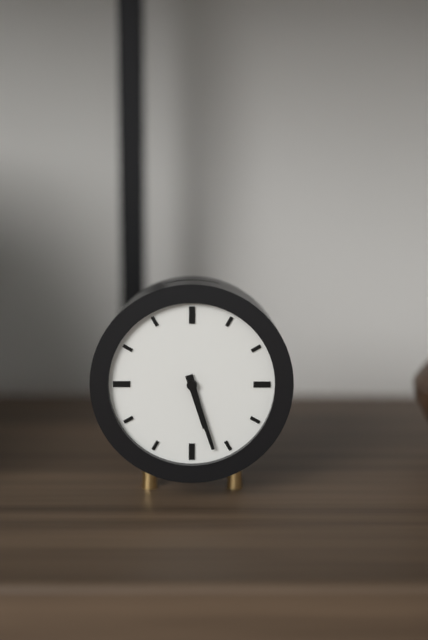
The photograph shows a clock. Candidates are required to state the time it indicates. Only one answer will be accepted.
5:27
